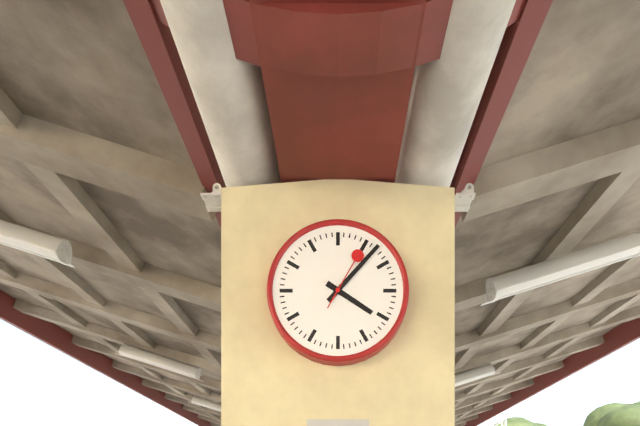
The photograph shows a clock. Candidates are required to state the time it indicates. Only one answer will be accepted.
4:07:05
